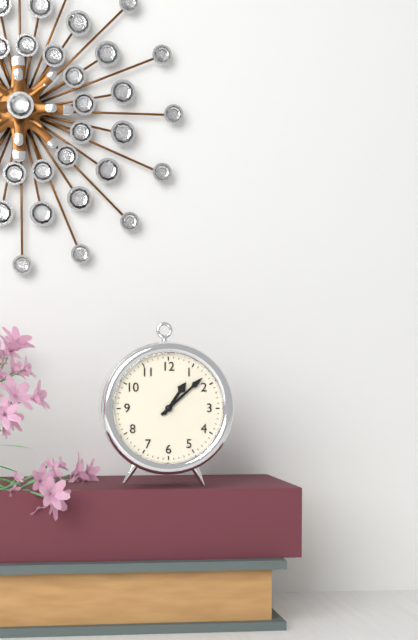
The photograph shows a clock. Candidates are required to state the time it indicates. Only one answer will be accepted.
1:08
